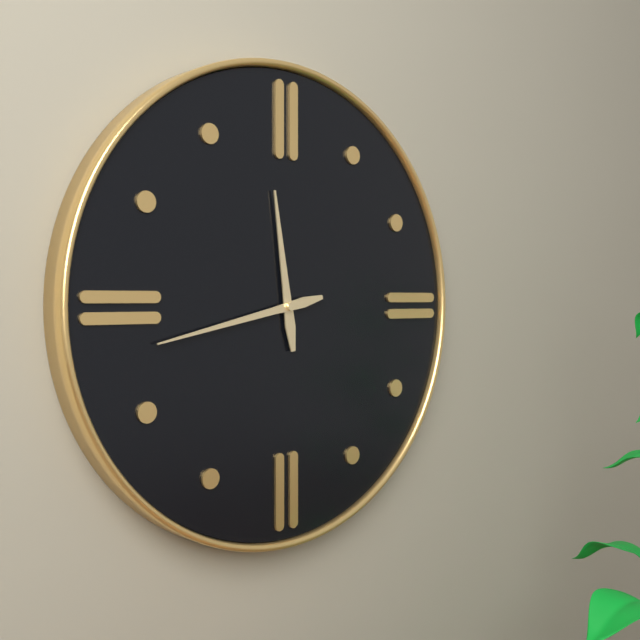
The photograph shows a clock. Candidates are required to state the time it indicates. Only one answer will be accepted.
11:43
